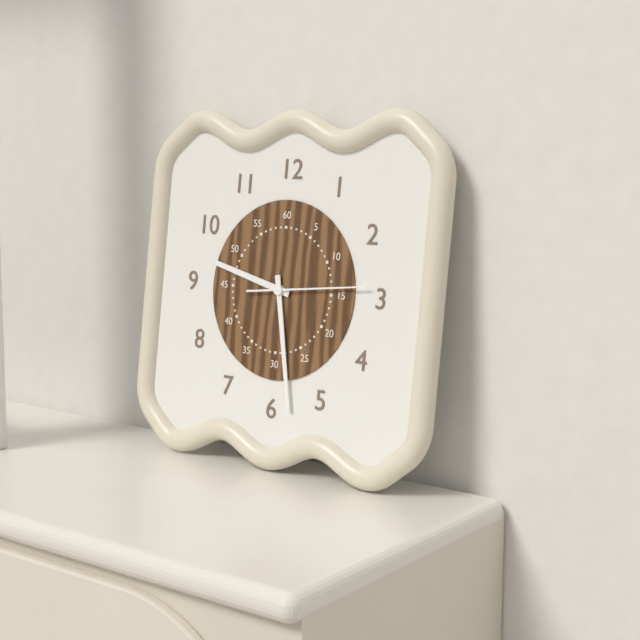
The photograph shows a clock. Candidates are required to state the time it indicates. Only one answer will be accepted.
9:28:14
